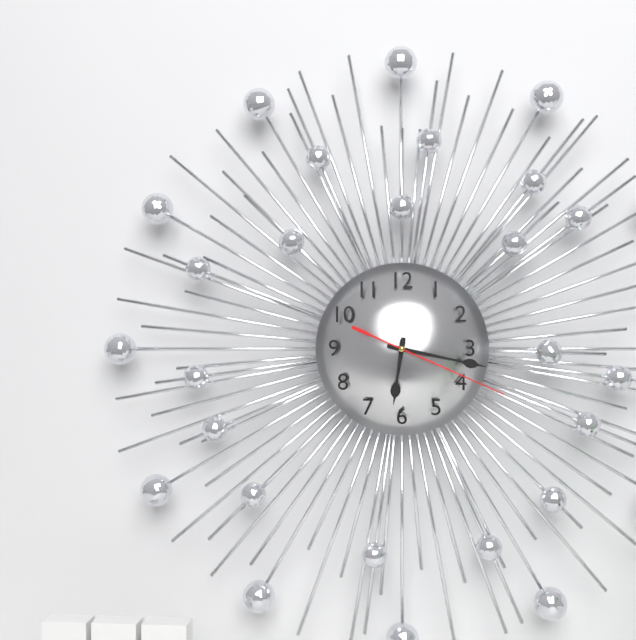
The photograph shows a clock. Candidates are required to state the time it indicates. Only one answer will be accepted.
6:17:19
